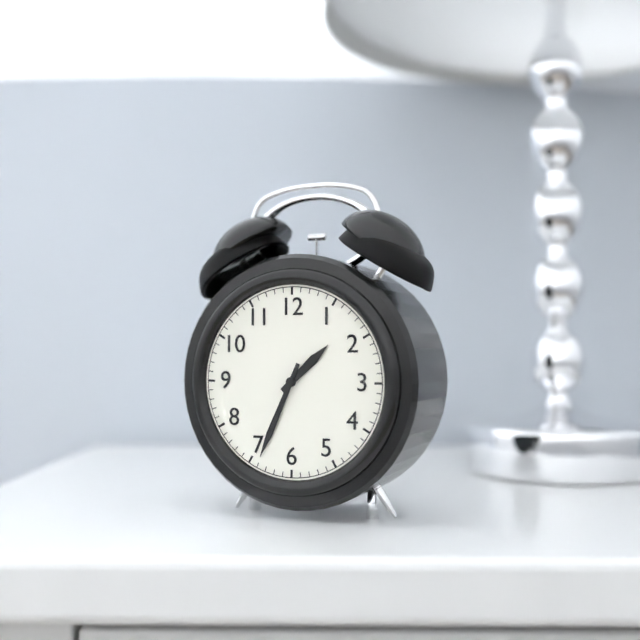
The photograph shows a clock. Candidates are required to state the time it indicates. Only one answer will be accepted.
1:34
